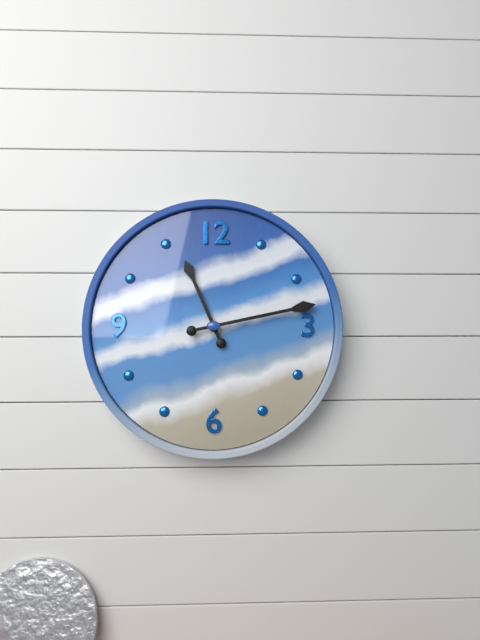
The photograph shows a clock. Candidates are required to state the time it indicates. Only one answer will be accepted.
11:13
